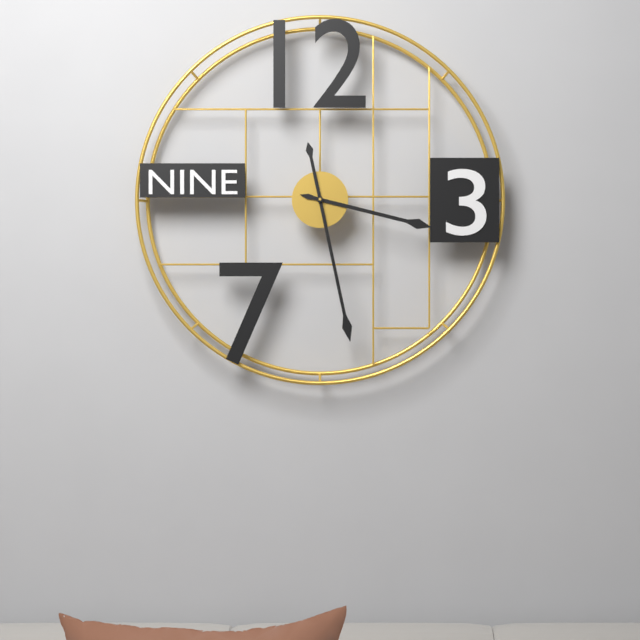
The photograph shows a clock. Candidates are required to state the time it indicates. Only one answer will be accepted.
3:28
